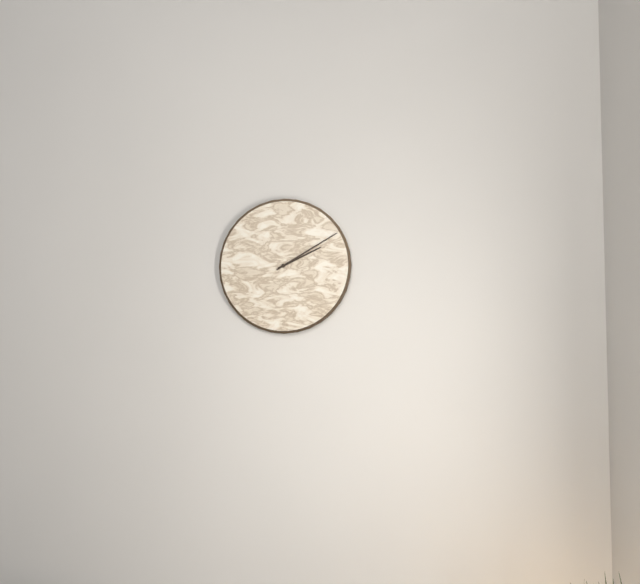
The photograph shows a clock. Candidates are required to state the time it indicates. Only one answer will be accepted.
2:10
